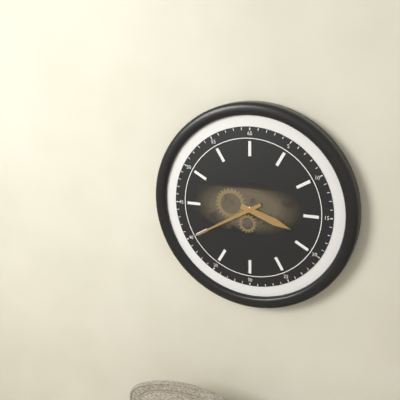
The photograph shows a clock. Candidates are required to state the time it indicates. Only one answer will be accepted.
3:40
